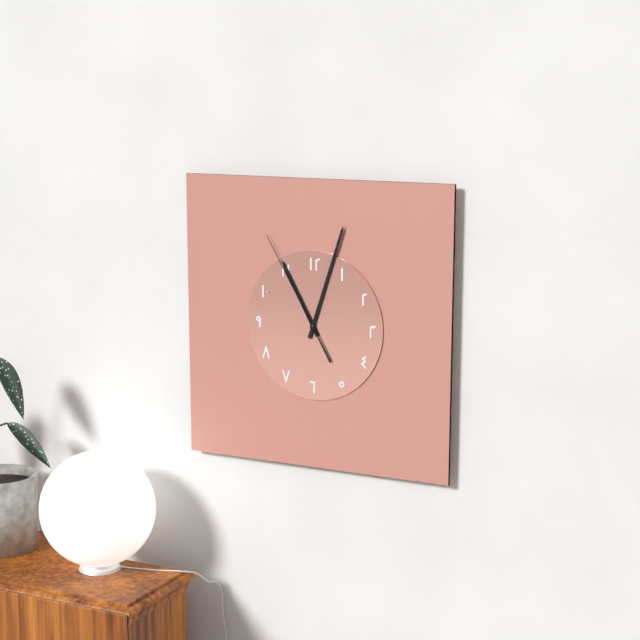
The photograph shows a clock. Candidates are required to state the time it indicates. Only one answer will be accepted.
11:03:55
